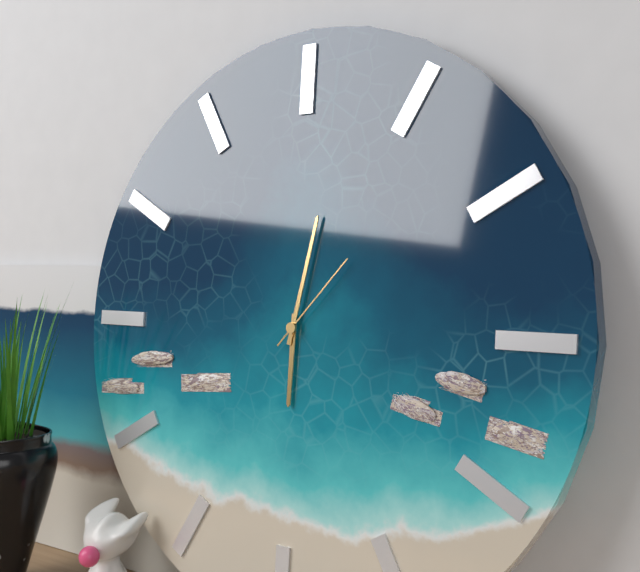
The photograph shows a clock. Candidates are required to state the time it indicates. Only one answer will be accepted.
6:02:07
